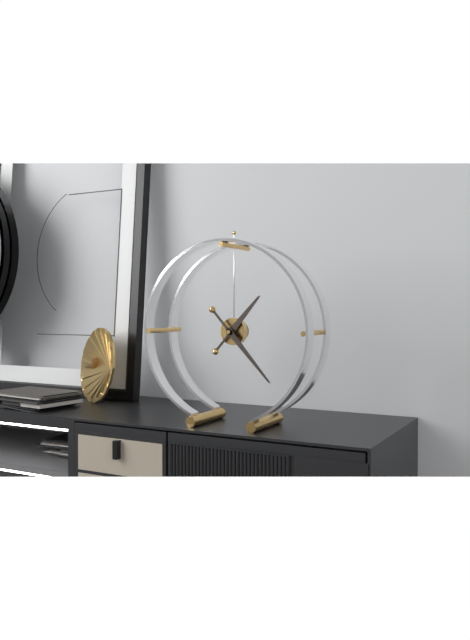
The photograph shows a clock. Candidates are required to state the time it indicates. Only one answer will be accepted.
1:23
